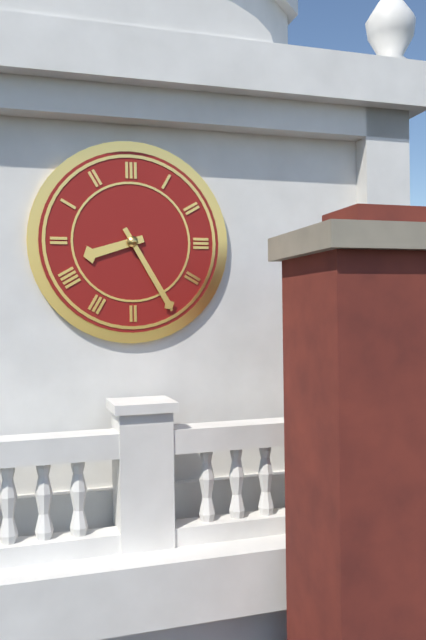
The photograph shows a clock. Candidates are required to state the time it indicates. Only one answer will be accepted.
8:25
